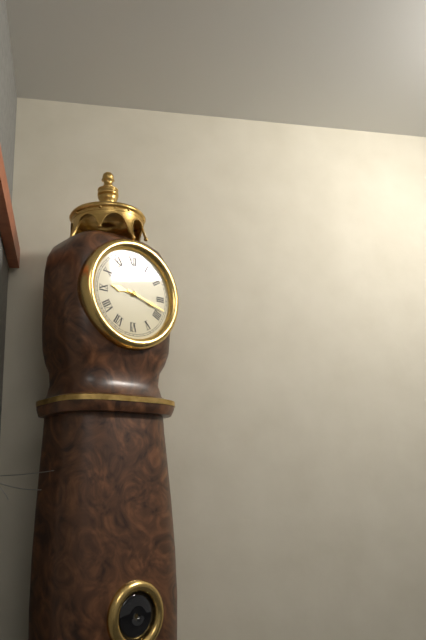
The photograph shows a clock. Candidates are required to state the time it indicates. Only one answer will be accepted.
9:18
